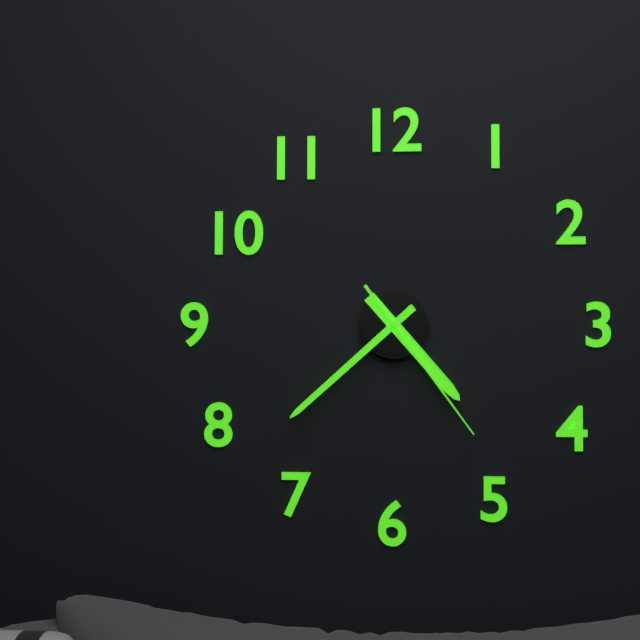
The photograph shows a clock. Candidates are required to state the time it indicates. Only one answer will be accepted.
4:38:24
